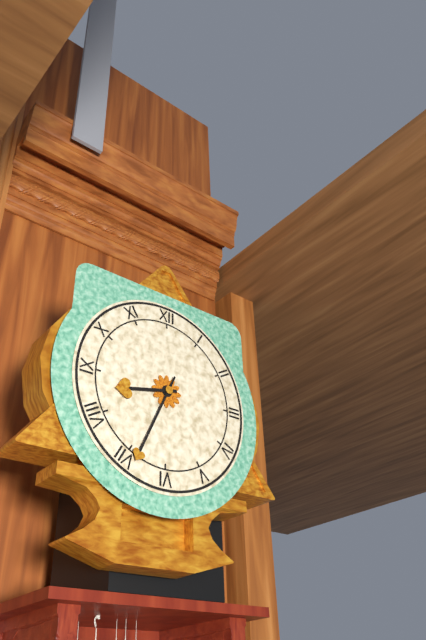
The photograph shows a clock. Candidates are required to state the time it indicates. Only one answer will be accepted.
8:34
